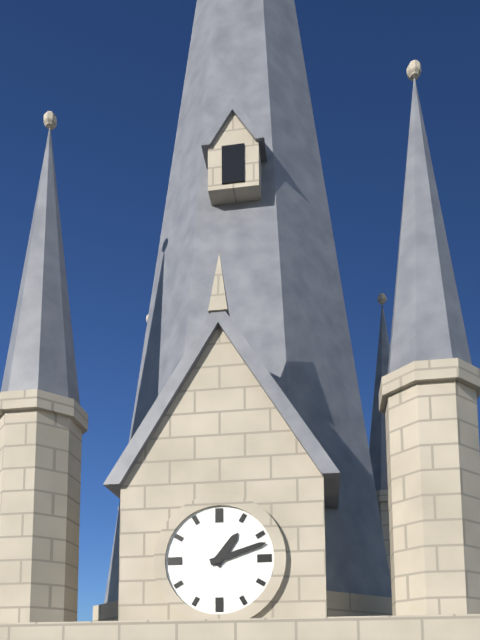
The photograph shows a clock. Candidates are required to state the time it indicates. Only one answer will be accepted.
1:12
